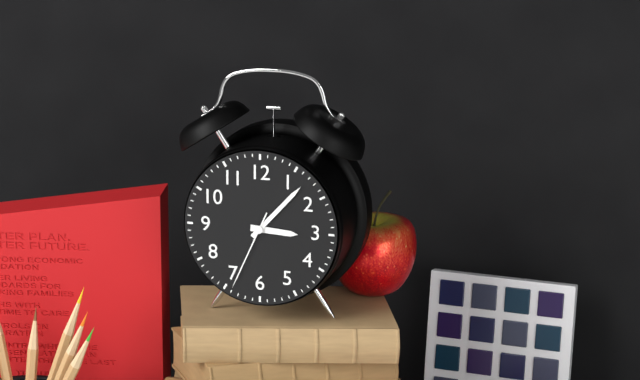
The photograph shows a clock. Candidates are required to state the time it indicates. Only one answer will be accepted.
3:07:34
